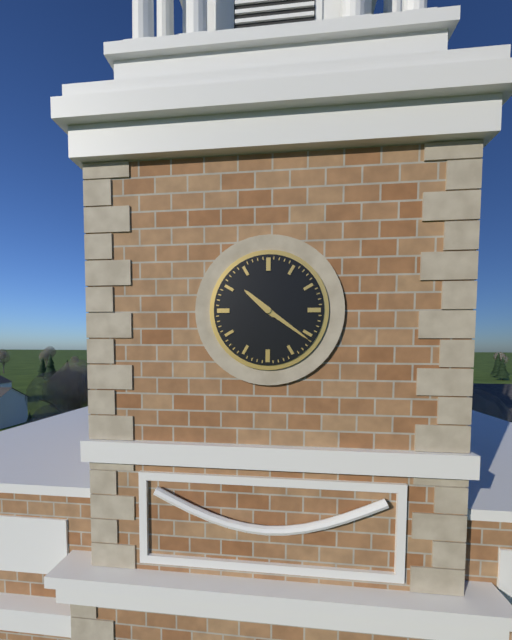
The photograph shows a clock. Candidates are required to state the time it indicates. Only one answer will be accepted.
10:21
